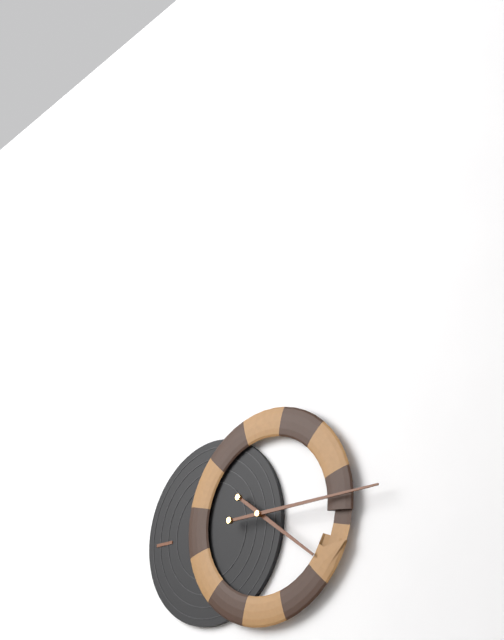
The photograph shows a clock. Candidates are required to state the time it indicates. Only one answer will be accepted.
4:15
